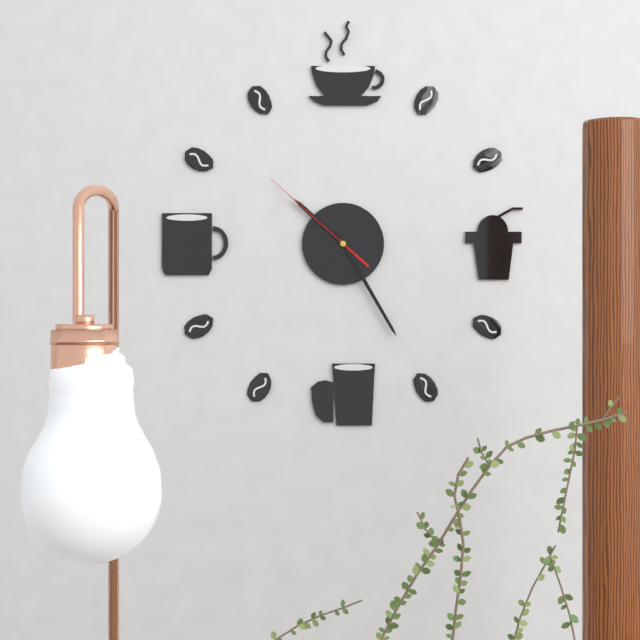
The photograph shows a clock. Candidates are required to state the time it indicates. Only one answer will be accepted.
10:25:52
